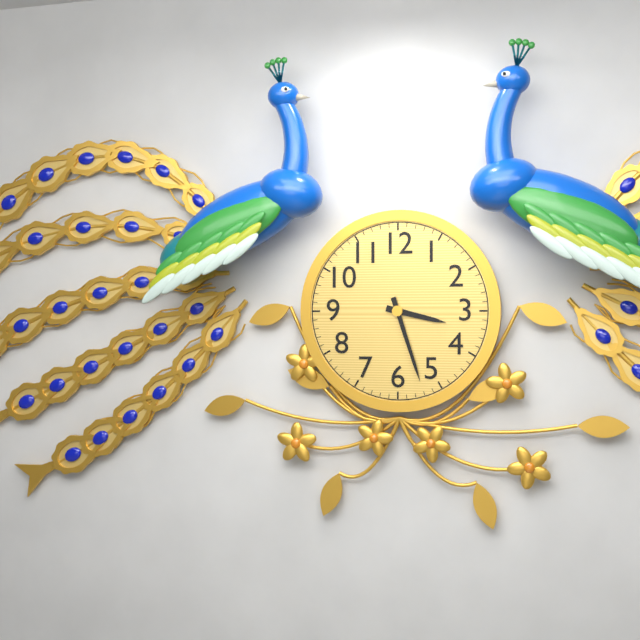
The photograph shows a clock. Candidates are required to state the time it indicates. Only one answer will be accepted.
3:27
